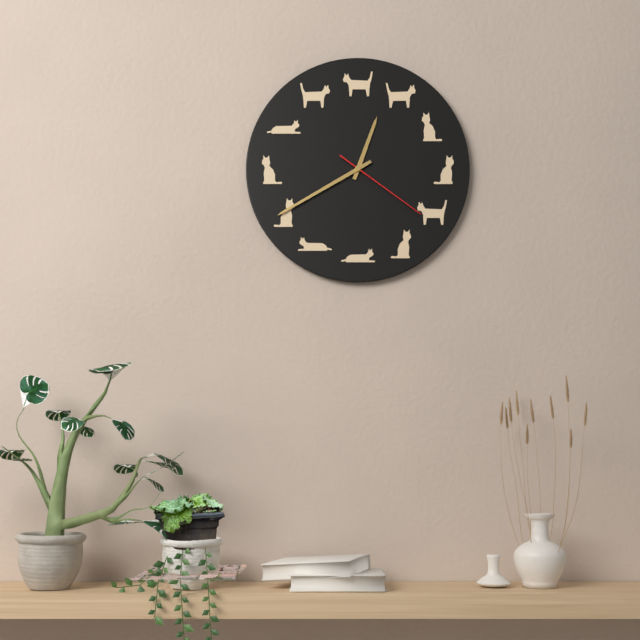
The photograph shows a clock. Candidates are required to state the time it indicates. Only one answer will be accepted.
12:40:21
